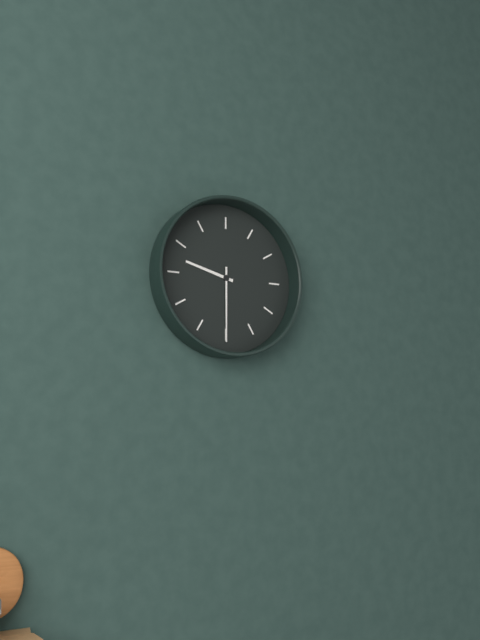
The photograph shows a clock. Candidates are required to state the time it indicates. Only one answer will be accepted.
9:30
